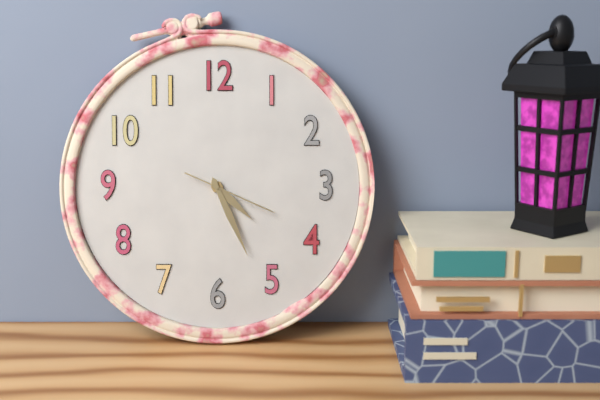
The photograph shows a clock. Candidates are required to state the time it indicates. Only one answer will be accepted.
4:26:19
